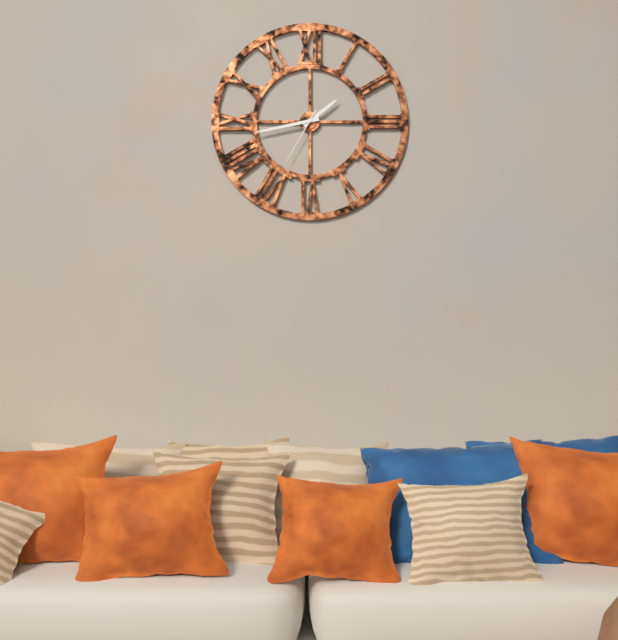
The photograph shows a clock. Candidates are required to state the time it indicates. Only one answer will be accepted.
1:43:35
